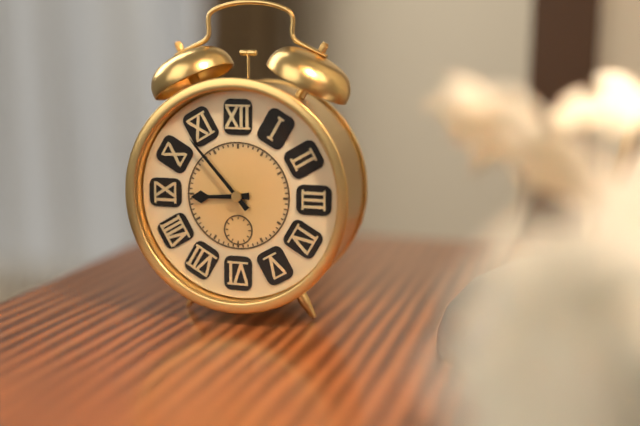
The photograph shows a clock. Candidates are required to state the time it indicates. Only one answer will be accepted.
8:53
